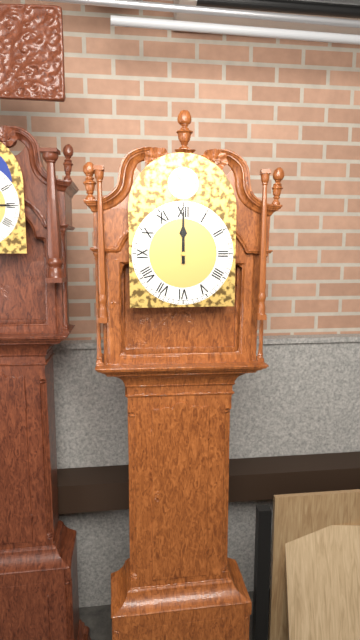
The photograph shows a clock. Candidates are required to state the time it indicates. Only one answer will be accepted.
12:00
